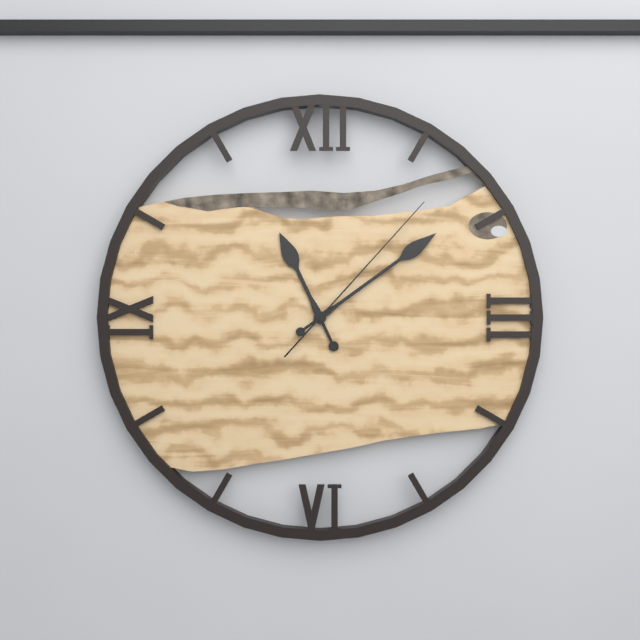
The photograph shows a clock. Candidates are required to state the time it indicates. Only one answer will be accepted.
11:09:07
